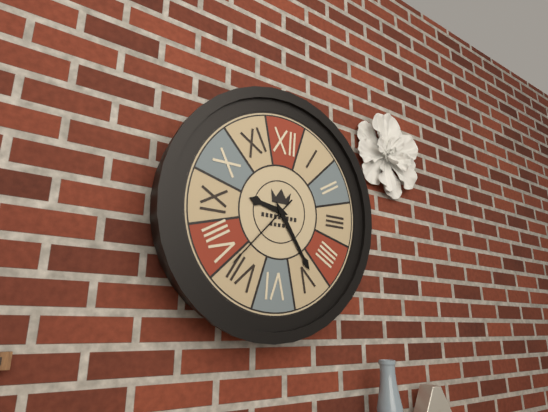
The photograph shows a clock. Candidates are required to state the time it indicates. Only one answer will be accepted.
9:24:37
